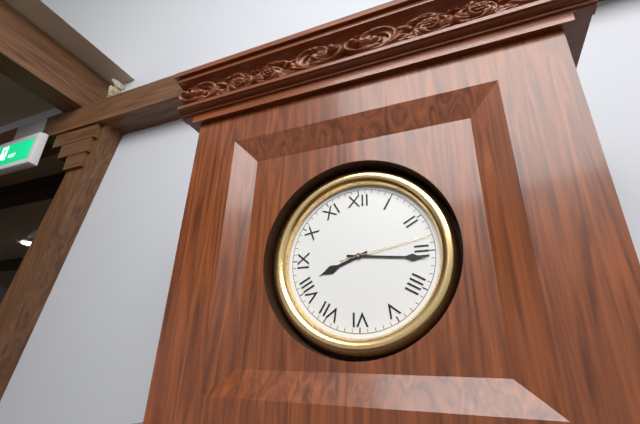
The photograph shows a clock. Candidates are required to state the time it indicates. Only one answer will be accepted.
8:16:13
